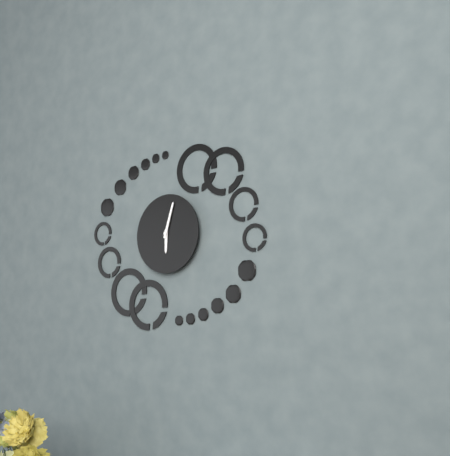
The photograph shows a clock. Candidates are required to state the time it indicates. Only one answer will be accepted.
6:03
